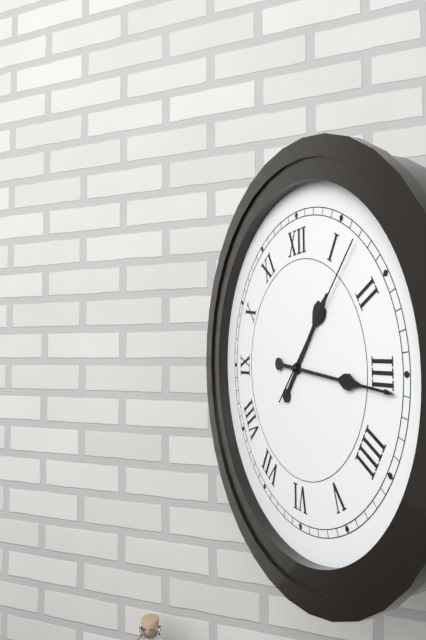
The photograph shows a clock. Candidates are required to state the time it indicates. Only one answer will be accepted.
1:16:07
